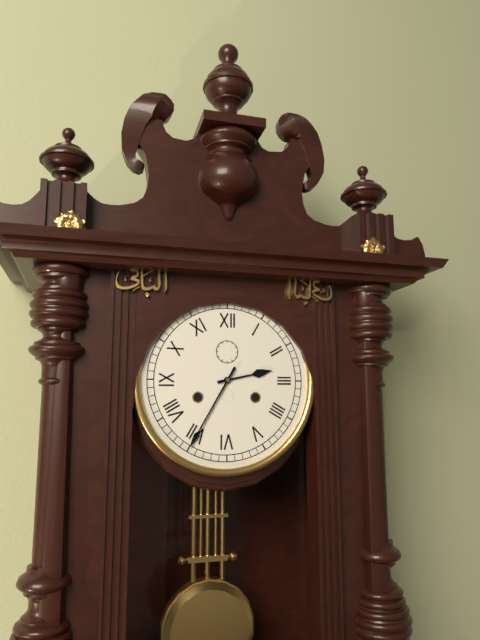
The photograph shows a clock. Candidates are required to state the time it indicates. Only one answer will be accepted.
2:35
